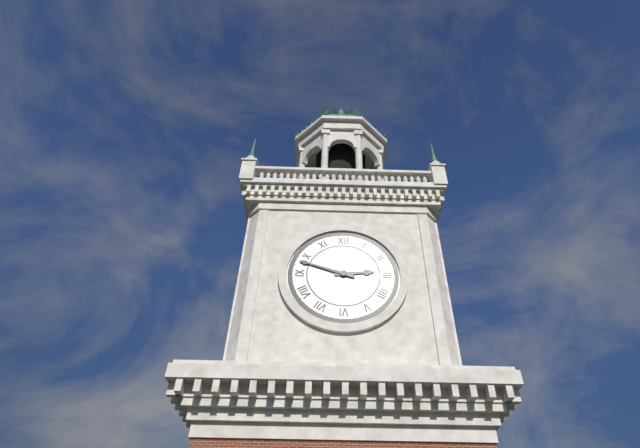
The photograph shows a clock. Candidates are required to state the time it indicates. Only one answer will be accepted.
2:48
